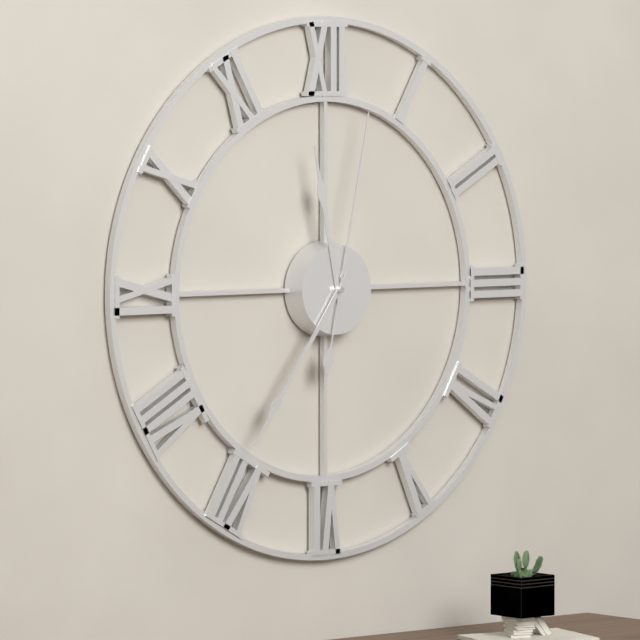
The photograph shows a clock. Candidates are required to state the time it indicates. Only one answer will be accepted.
11:36:02
